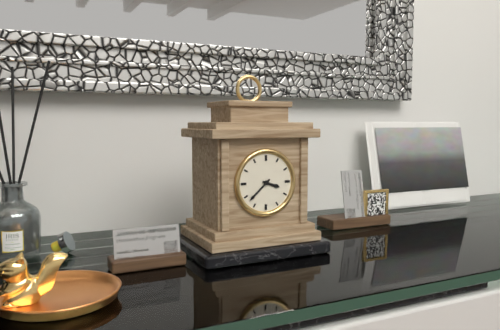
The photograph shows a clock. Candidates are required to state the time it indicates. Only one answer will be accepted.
3:38
